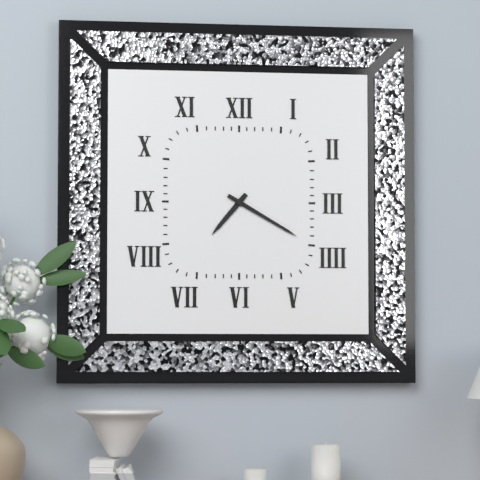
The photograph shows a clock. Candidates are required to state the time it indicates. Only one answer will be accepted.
7:20
